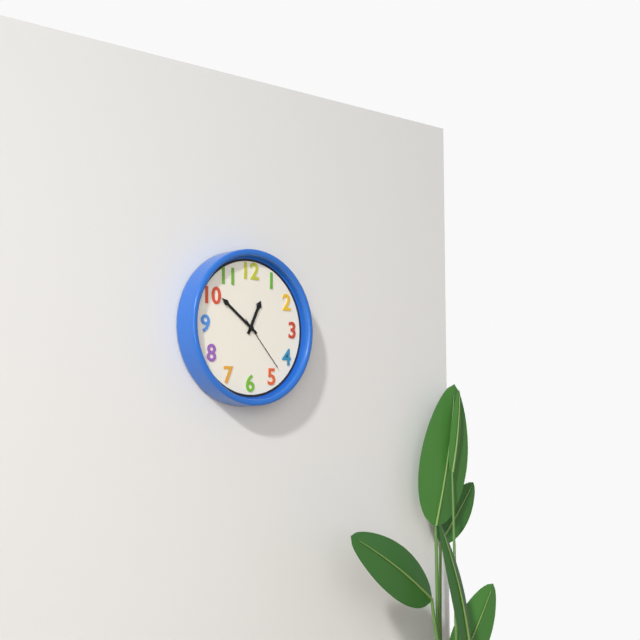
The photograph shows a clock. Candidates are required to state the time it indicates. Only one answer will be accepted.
12:51:23
